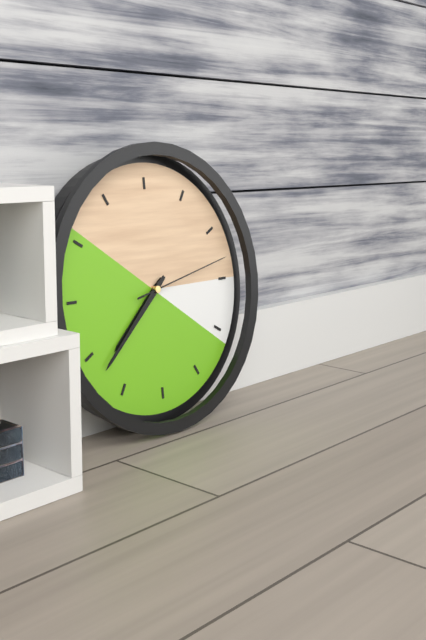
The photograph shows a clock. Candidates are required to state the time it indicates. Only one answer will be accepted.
7:38:13
